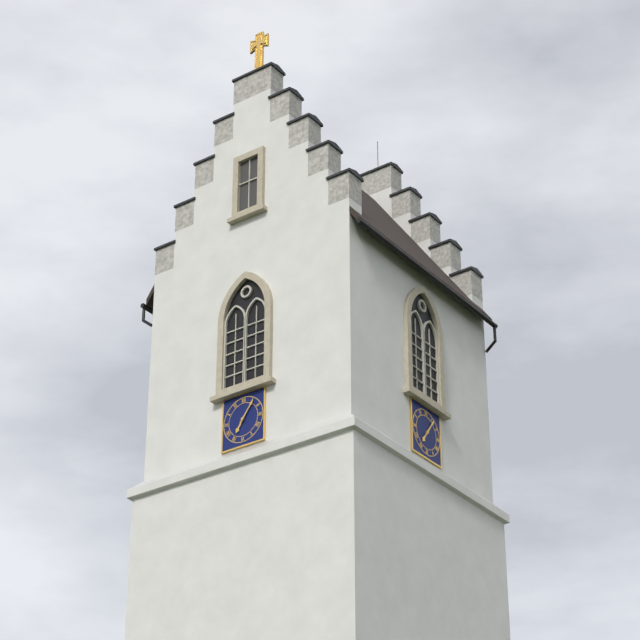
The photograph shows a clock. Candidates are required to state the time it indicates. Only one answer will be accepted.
7:06
